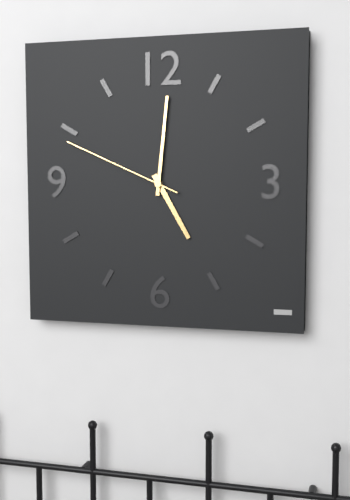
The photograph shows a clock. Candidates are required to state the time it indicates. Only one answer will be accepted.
5:01:49
